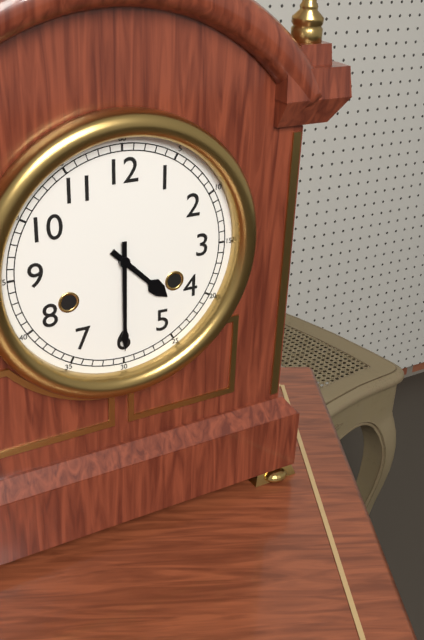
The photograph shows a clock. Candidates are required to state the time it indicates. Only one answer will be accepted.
4:30
